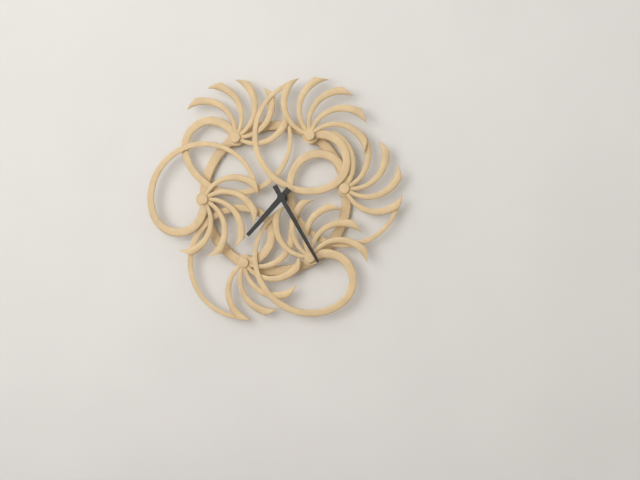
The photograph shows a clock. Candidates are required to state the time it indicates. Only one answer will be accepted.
7:25
